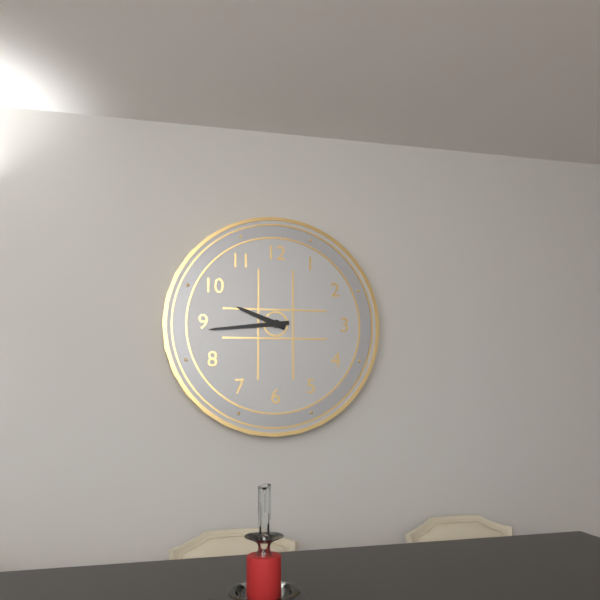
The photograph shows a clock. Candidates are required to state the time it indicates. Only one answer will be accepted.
9:44
